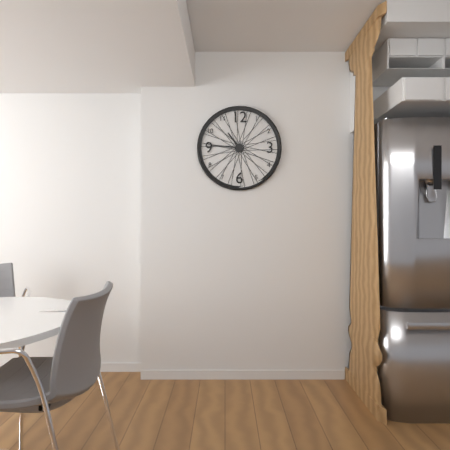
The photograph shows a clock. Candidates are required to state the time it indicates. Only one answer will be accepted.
10:46
